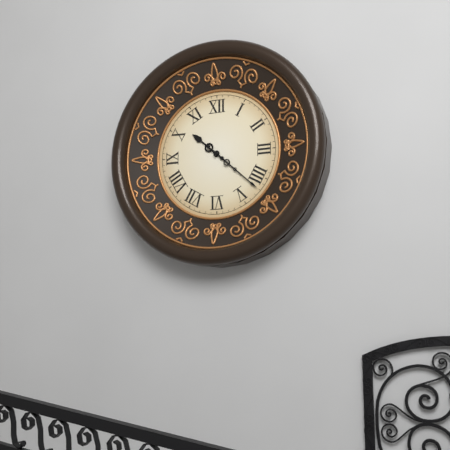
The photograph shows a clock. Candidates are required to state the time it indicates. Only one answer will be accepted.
10:22
